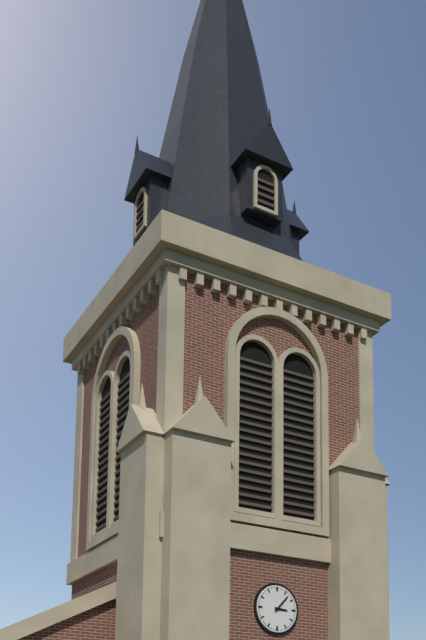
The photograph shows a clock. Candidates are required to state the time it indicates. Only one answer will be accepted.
3:07
